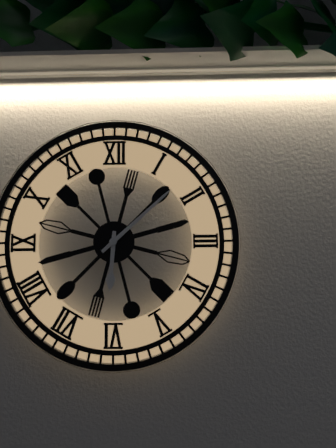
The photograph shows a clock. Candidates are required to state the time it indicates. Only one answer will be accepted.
6:08
